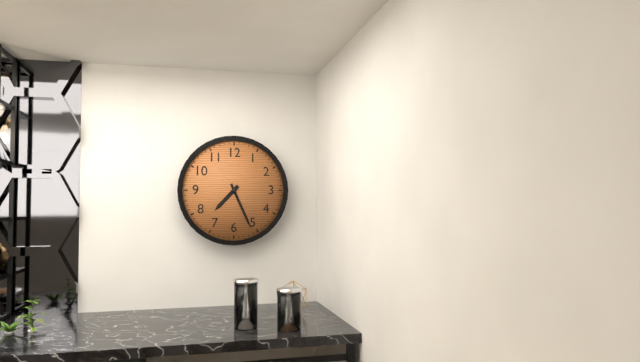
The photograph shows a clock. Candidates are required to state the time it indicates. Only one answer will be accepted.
7:26
